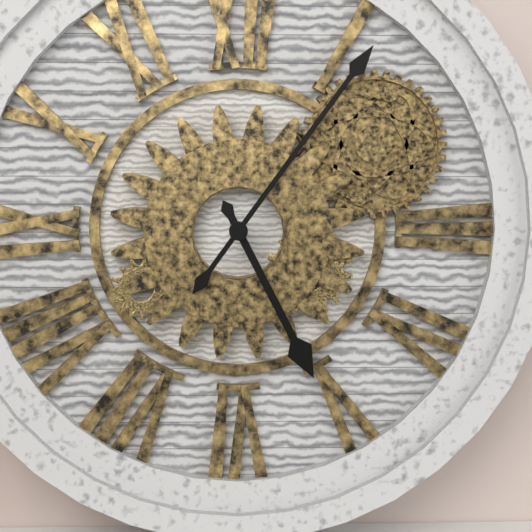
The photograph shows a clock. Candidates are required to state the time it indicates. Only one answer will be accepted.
5:06
